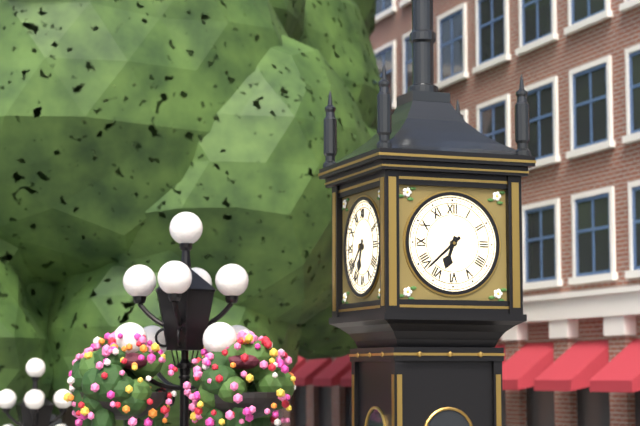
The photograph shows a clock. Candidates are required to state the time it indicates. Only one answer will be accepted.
6:38
